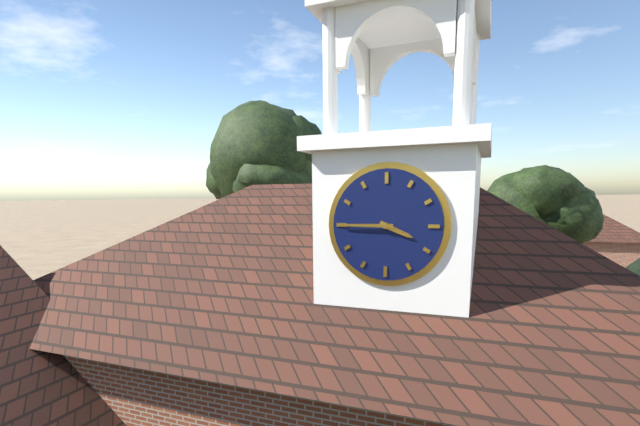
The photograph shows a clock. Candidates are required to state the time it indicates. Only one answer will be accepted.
3:45
